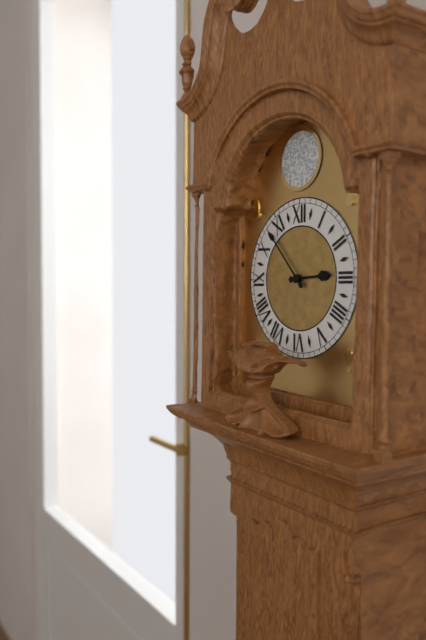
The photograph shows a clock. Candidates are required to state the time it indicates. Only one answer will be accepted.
2:53
